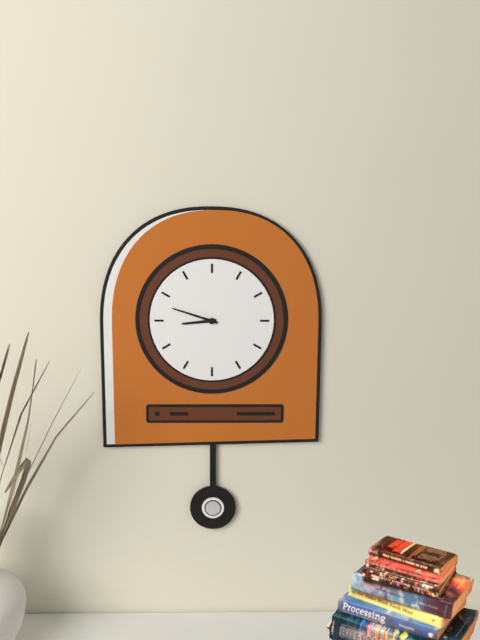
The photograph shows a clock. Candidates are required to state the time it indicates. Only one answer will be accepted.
8:48
